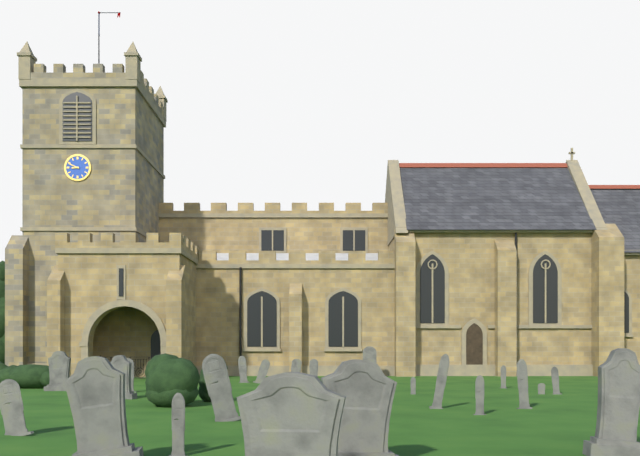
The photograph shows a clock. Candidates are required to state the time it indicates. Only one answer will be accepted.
8:49
